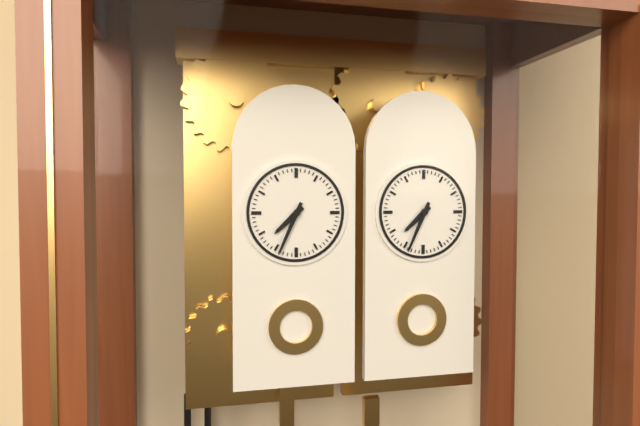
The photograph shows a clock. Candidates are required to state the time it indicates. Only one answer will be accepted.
7:34
